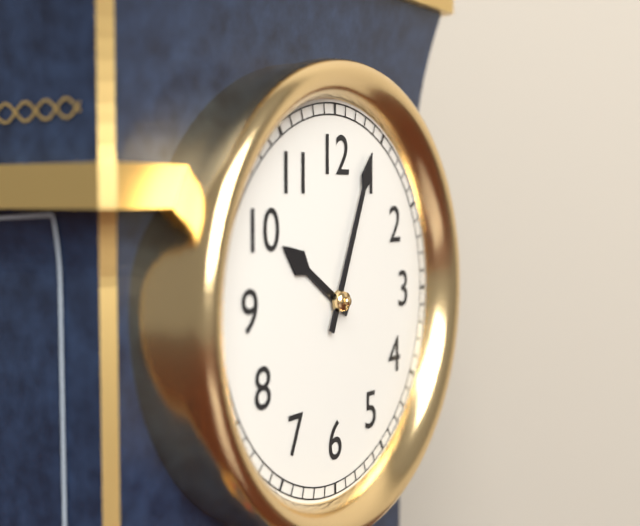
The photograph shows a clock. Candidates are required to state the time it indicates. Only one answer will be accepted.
10:04
